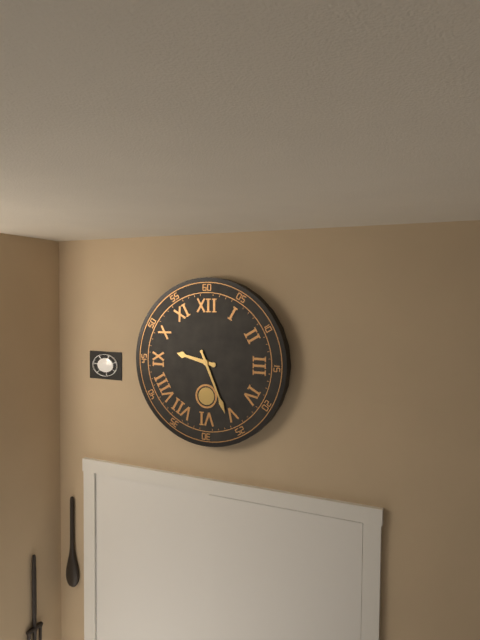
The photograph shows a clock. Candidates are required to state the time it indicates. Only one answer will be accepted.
9:26
